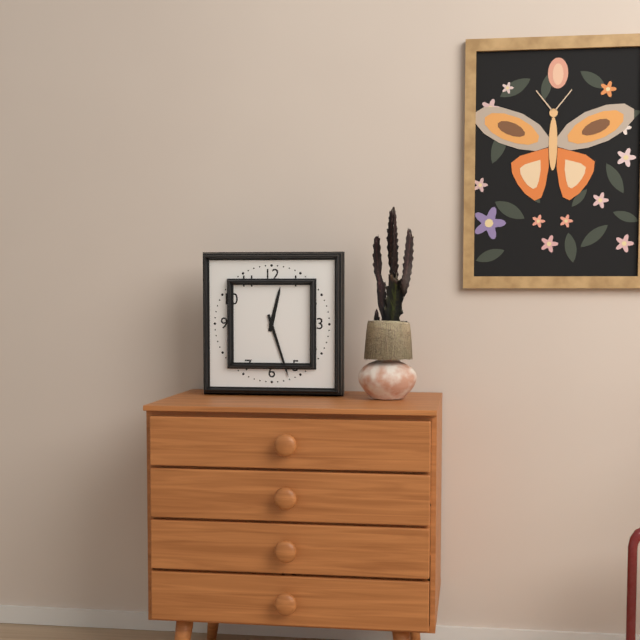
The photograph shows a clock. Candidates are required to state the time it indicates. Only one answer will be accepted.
12:27
